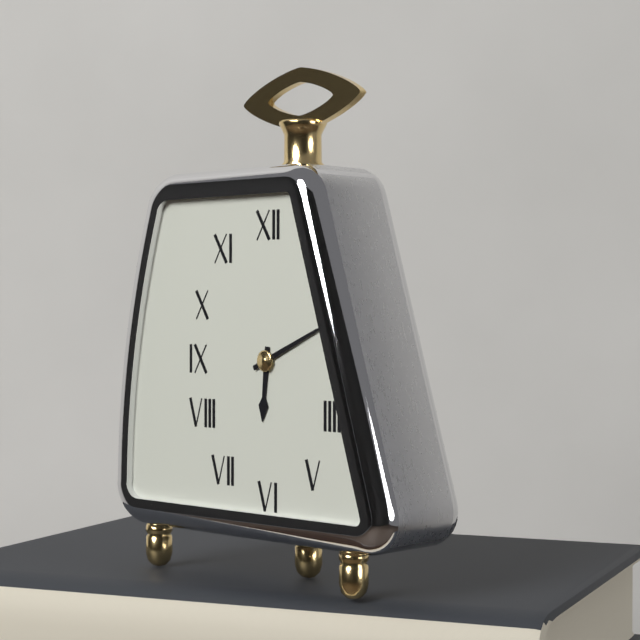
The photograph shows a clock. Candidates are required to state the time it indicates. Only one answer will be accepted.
6:11
